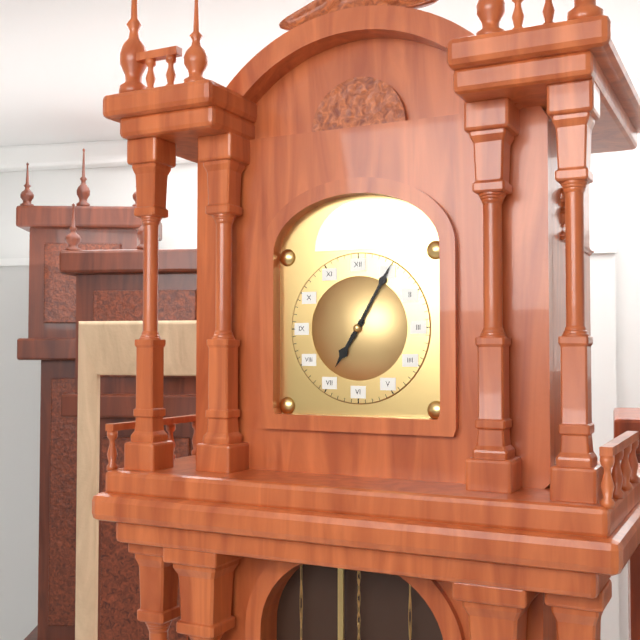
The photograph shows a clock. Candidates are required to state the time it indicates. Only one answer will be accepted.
7:05
